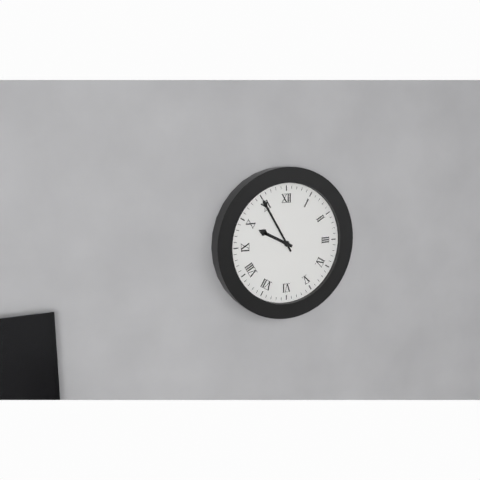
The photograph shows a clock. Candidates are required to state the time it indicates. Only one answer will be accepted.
9:55
